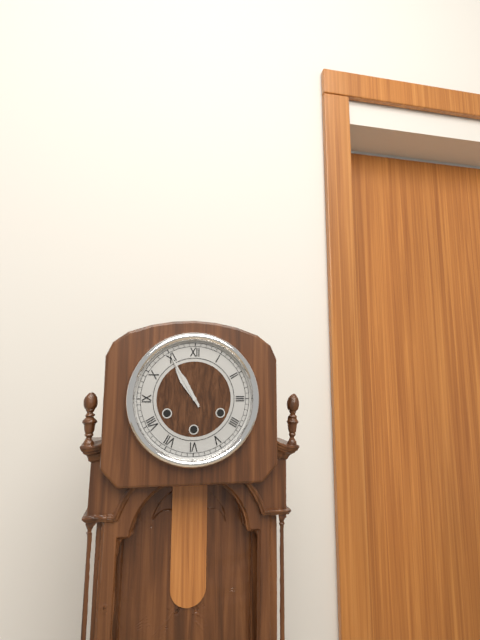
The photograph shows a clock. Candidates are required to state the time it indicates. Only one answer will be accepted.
10:55
